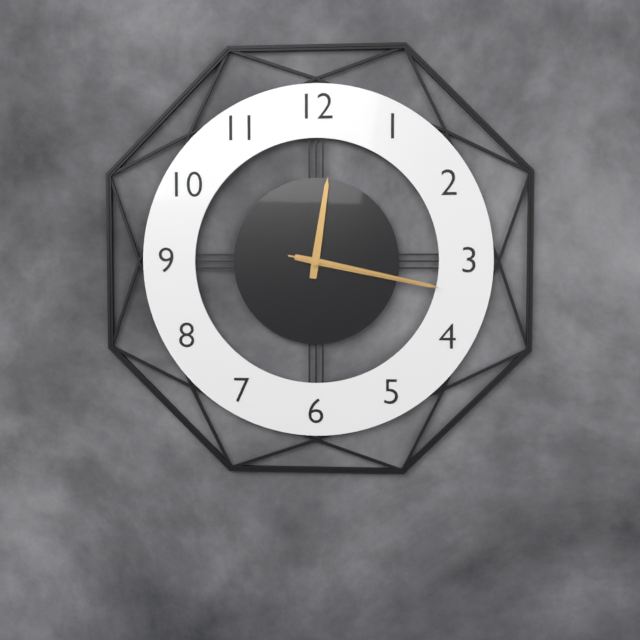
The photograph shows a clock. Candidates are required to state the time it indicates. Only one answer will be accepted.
12:17:17
